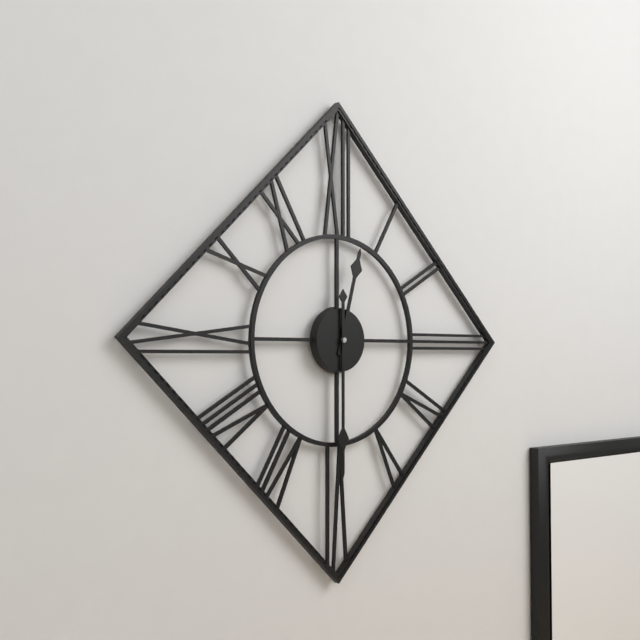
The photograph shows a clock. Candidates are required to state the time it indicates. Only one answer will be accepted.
12:30
